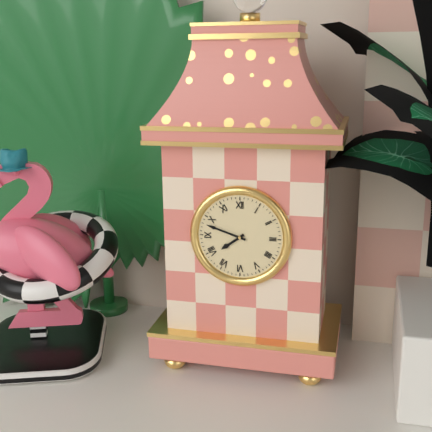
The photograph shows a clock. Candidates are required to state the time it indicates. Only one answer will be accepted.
7:48
